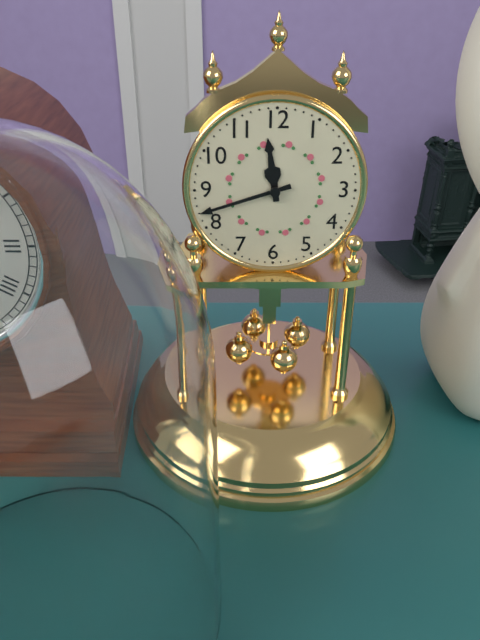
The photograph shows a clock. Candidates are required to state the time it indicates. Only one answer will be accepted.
11:42
